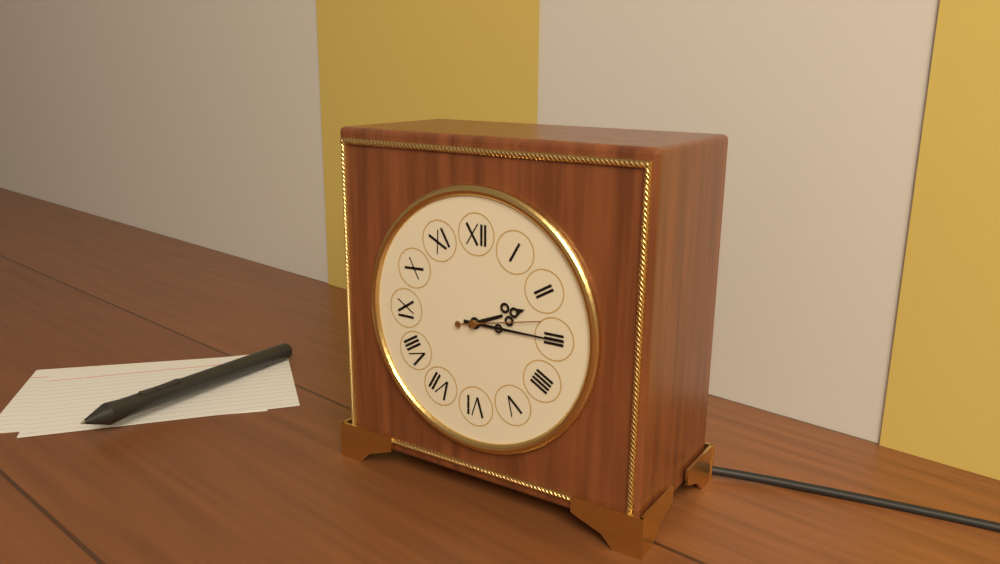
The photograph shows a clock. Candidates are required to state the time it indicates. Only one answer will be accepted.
2:15:13
